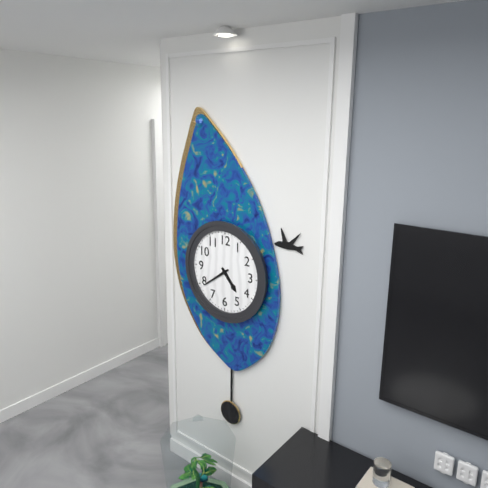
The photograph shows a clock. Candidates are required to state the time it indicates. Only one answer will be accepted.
4:39
